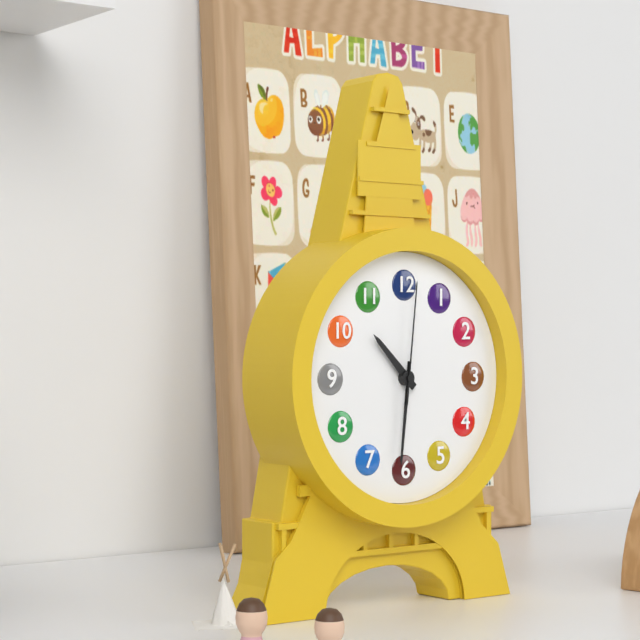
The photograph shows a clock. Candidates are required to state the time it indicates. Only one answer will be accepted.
10:31:01
